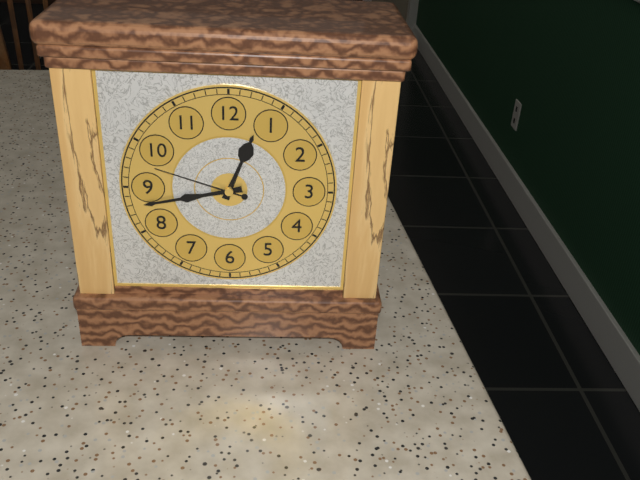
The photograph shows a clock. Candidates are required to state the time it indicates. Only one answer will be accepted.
12:43:48
